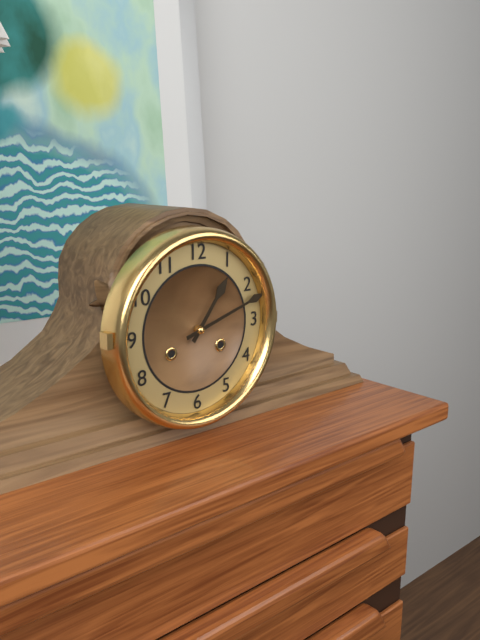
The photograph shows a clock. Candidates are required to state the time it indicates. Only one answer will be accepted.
1:12
